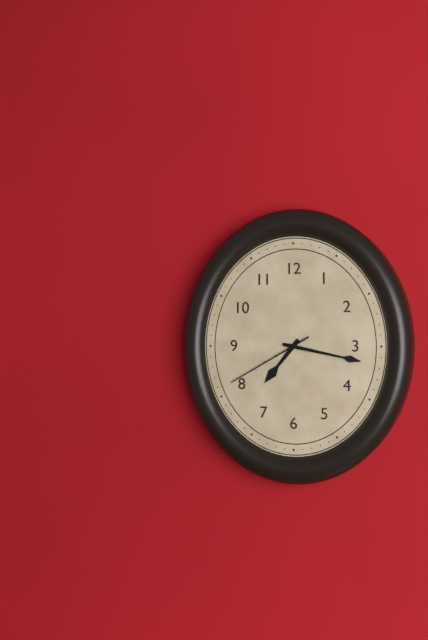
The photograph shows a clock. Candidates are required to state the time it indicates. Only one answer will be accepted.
7:17:40
